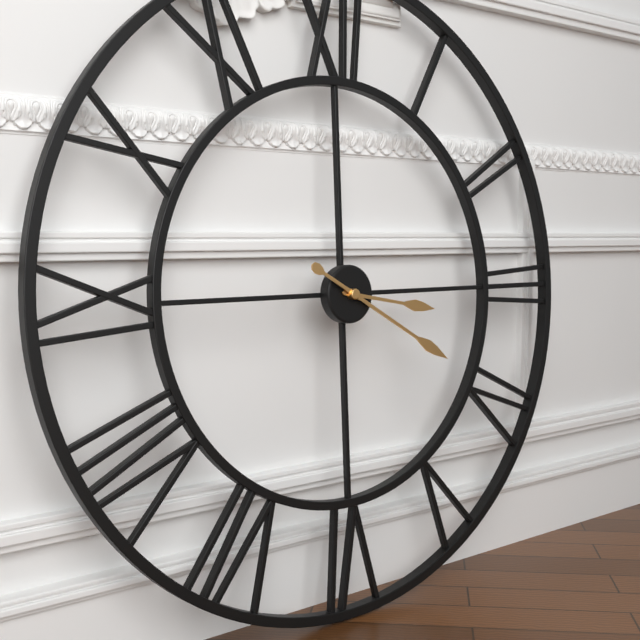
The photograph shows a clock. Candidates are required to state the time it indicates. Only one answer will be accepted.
3:20
